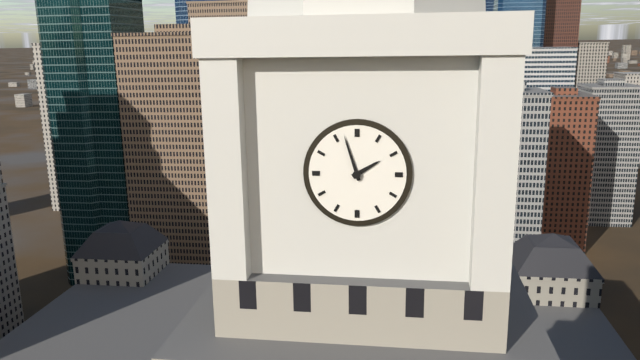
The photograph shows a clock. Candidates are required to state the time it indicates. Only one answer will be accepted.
1:57
